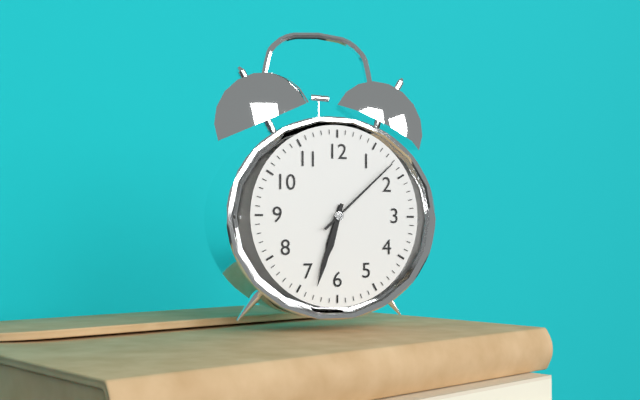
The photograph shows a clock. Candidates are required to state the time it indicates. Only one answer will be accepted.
6:33:08
